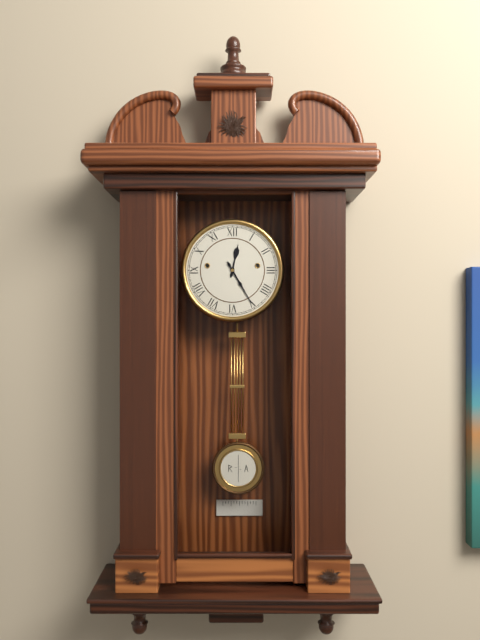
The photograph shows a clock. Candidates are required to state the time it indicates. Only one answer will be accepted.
12:25
